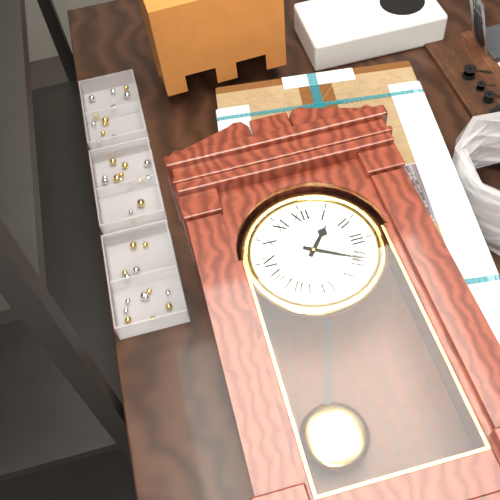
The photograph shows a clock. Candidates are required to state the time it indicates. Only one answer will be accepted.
1:20
